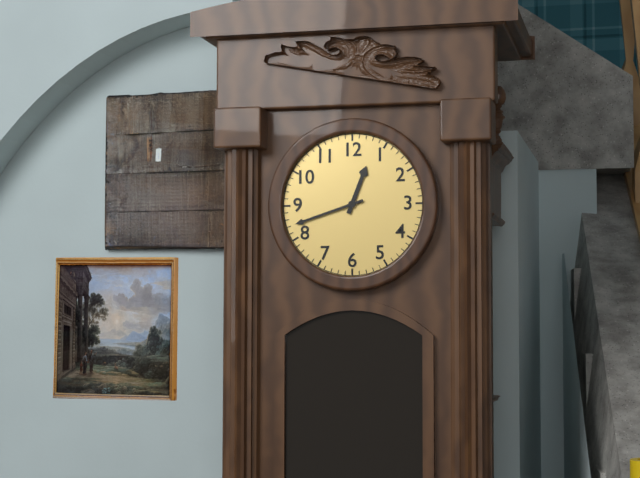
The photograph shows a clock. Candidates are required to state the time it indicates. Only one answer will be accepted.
12:42
